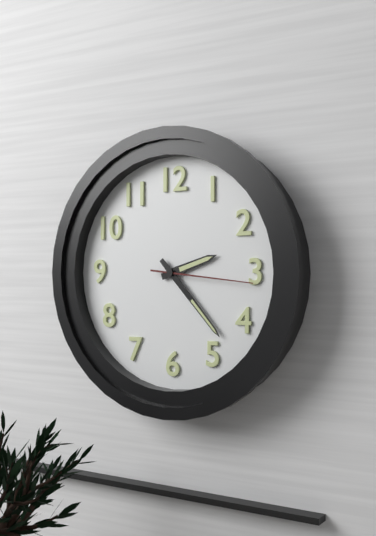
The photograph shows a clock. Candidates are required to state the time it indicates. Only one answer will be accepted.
2:23:16
